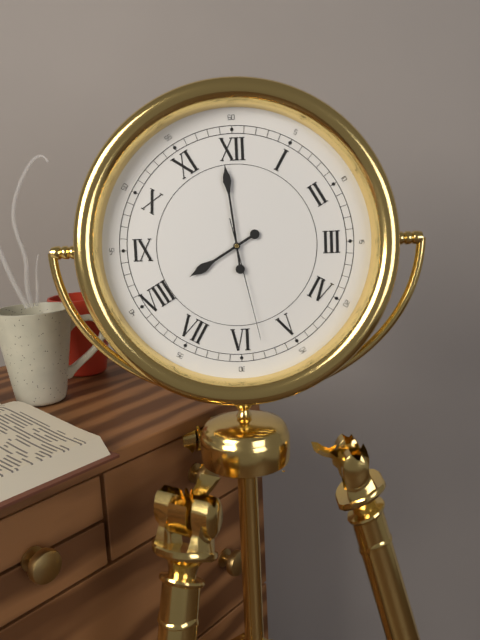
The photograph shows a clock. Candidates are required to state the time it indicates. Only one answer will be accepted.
7:59:28
